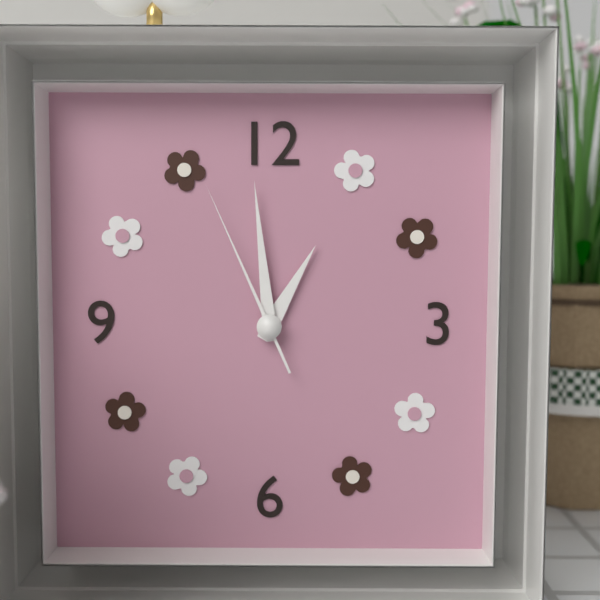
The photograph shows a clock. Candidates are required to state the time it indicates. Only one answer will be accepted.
12:59:56
